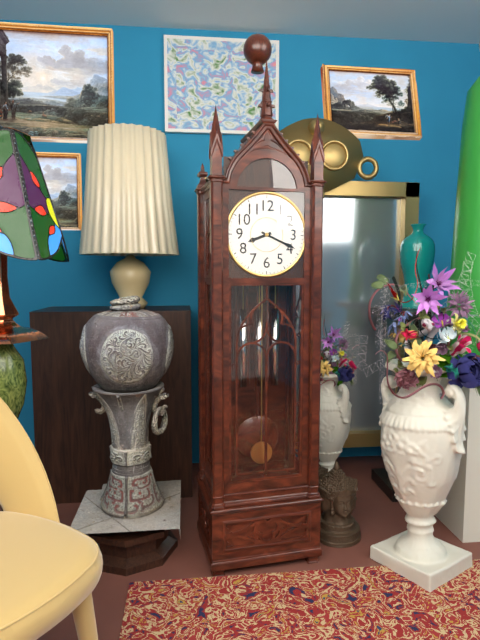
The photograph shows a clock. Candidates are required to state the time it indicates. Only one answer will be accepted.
8:19
